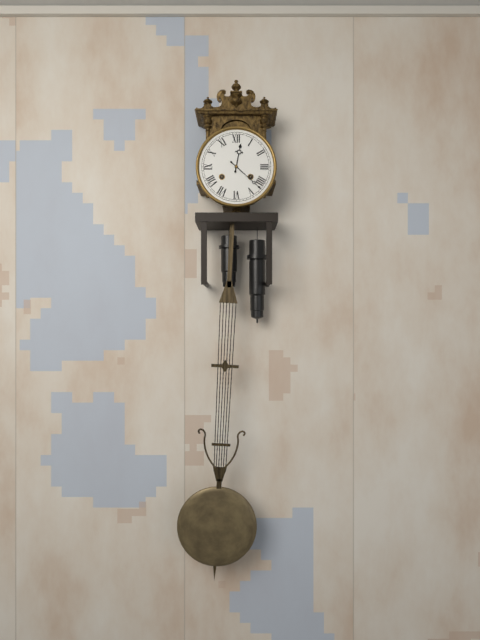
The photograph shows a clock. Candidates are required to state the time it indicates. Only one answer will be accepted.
12:22
